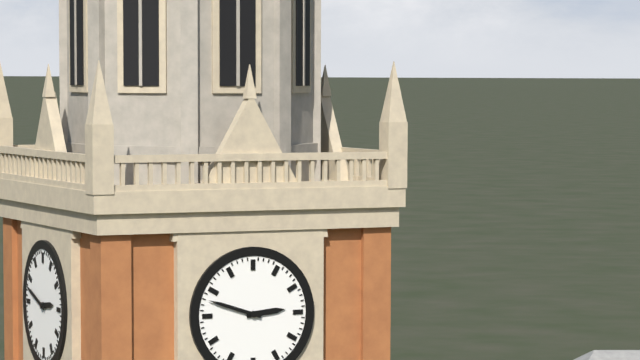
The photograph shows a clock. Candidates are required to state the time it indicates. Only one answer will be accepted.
2:48
